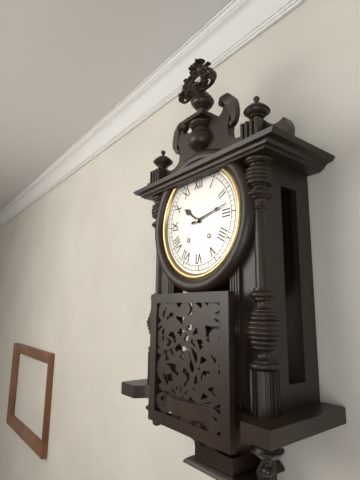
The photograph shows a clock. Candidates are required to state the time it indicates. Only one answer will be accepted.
10:13
